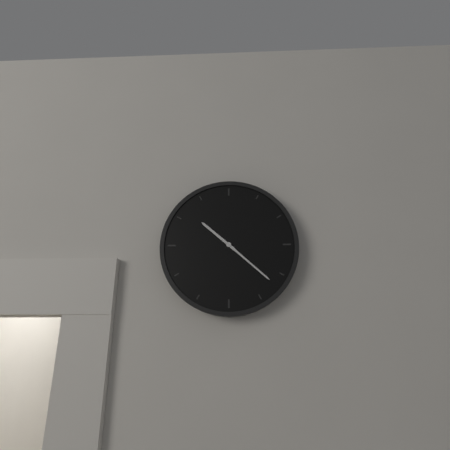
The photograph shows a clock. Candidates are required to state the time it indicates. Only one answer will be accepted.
10:22
